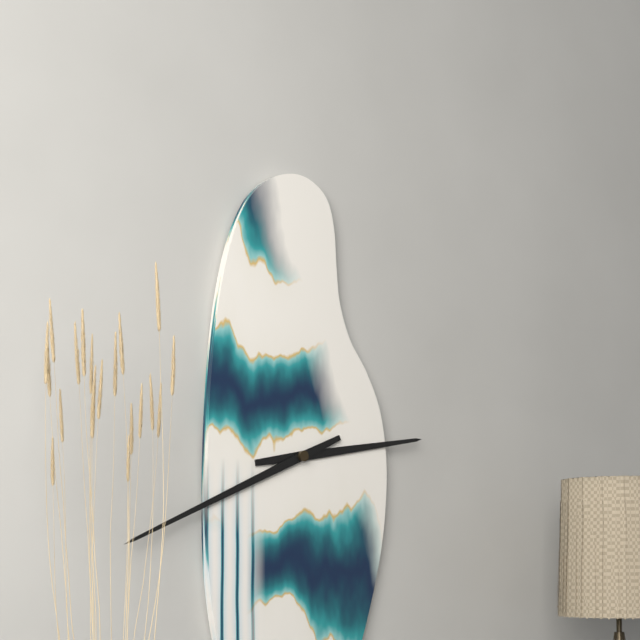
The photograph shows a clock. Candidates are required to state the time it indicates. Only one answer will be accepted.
2:41
